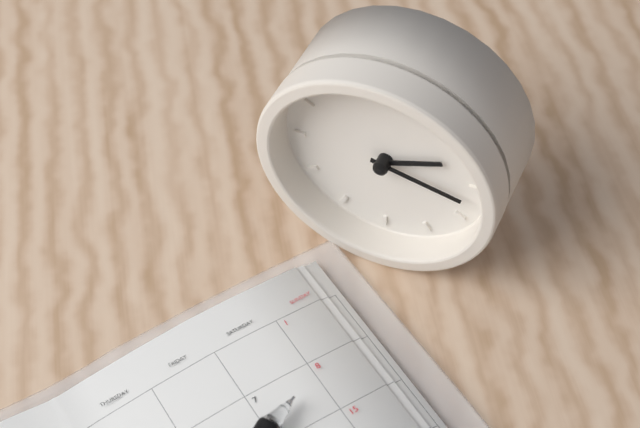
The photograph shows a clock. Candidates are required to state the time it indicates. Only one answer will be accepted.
2:17
